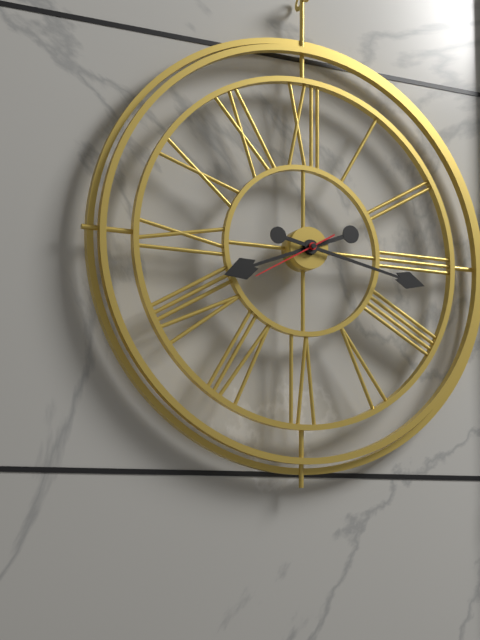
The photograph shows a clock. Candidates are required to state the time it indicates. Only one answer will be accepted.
8:17:40
